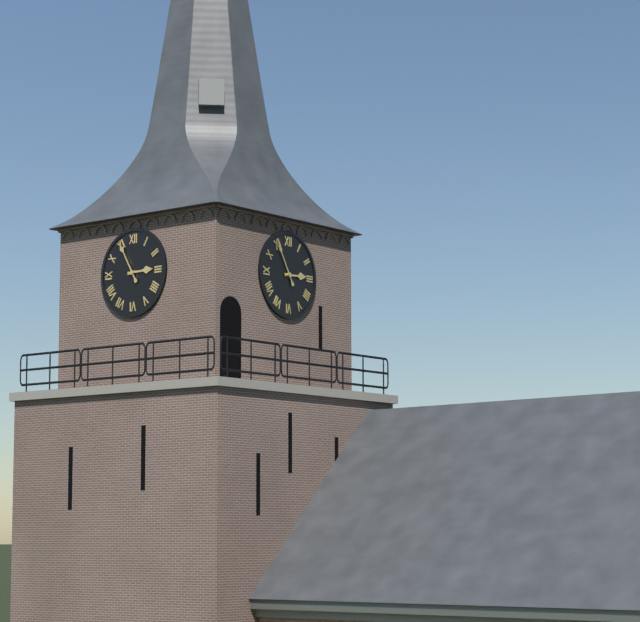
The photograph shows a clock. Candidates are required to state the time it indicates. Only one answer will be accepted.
2:55
